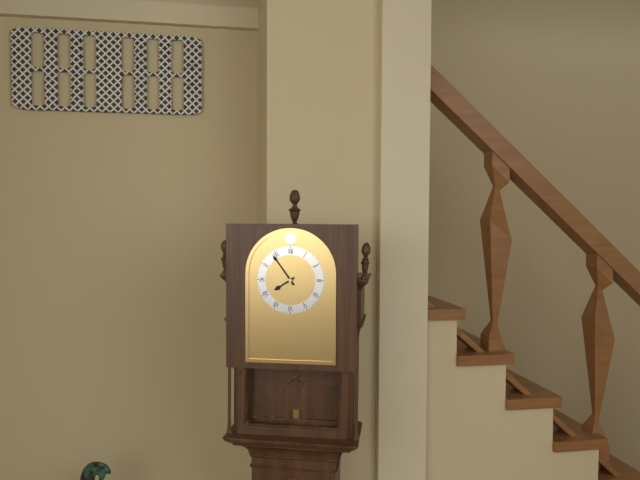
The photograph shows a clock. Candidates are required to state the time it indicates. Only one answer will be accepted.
7:54
